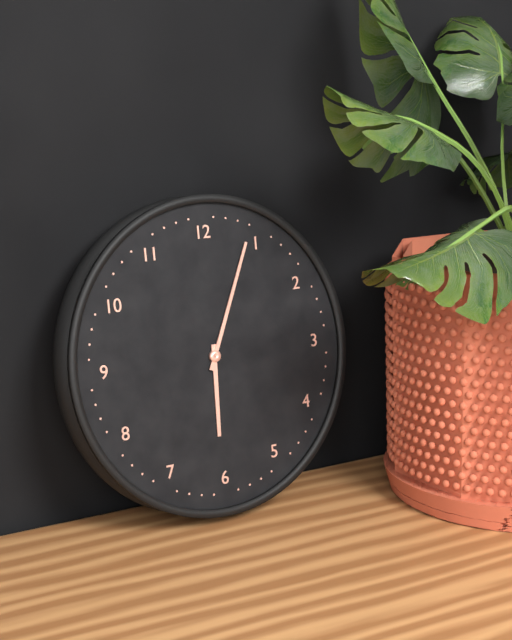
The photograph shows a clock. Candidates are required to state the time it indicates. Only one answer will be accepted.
6:04
